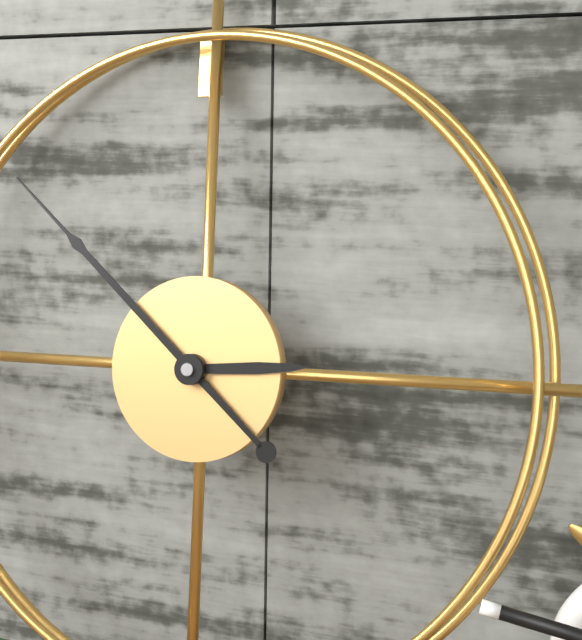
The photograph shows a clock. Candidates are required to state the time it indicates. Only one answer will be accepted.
2:52
